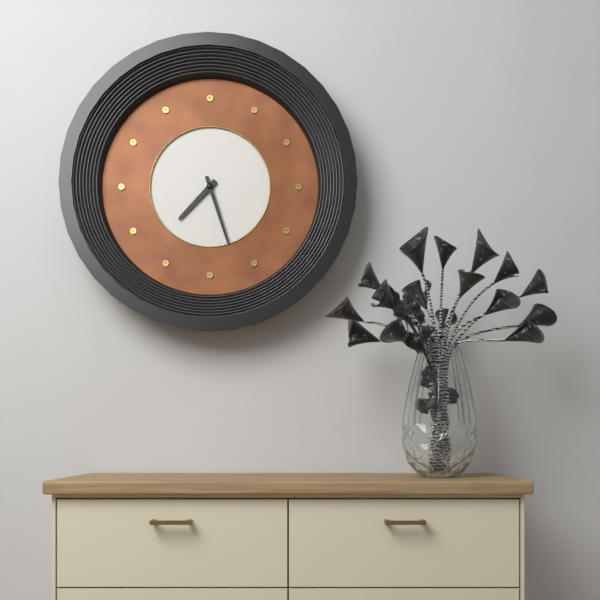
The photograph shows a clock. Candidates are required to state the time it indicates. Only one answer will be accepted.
7:27
